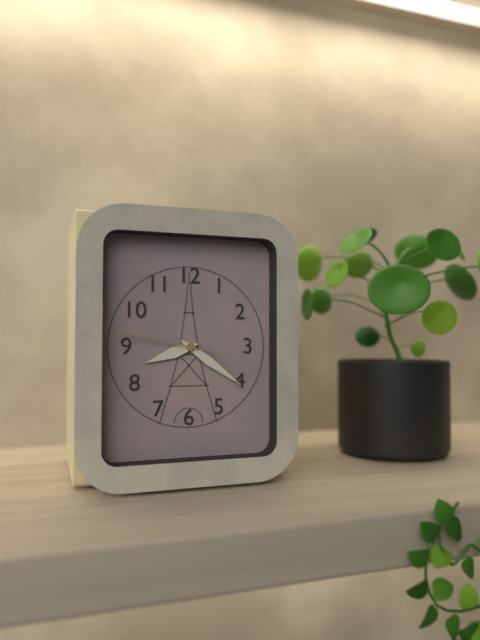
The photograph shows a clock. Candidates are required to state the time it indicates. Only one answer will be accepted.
8:21:47
